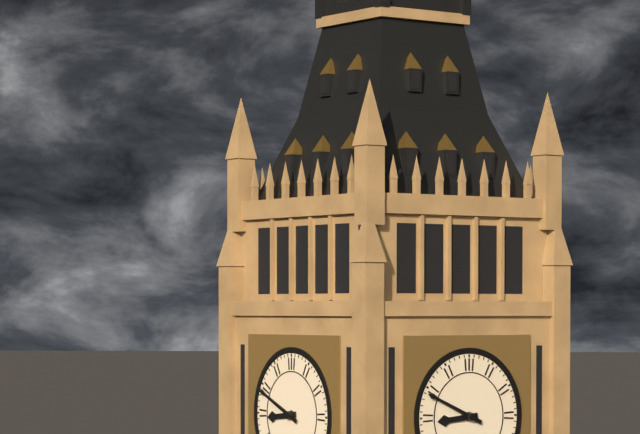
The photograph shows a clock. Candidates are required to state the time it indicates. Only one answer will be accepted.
8:49
